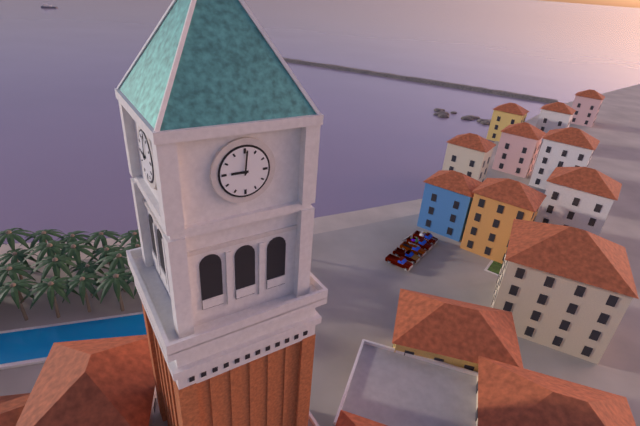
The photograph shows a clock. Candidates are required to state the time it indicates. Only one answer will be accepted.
9:01
